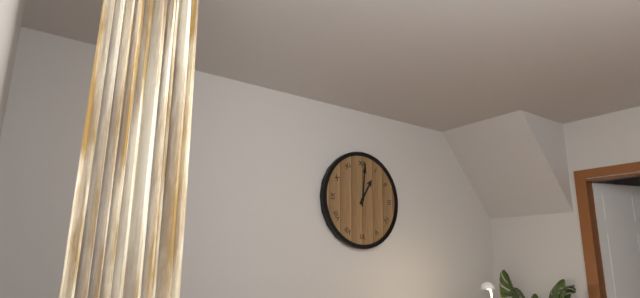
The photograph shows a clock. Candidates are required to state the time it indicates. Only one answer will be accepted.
1:01
